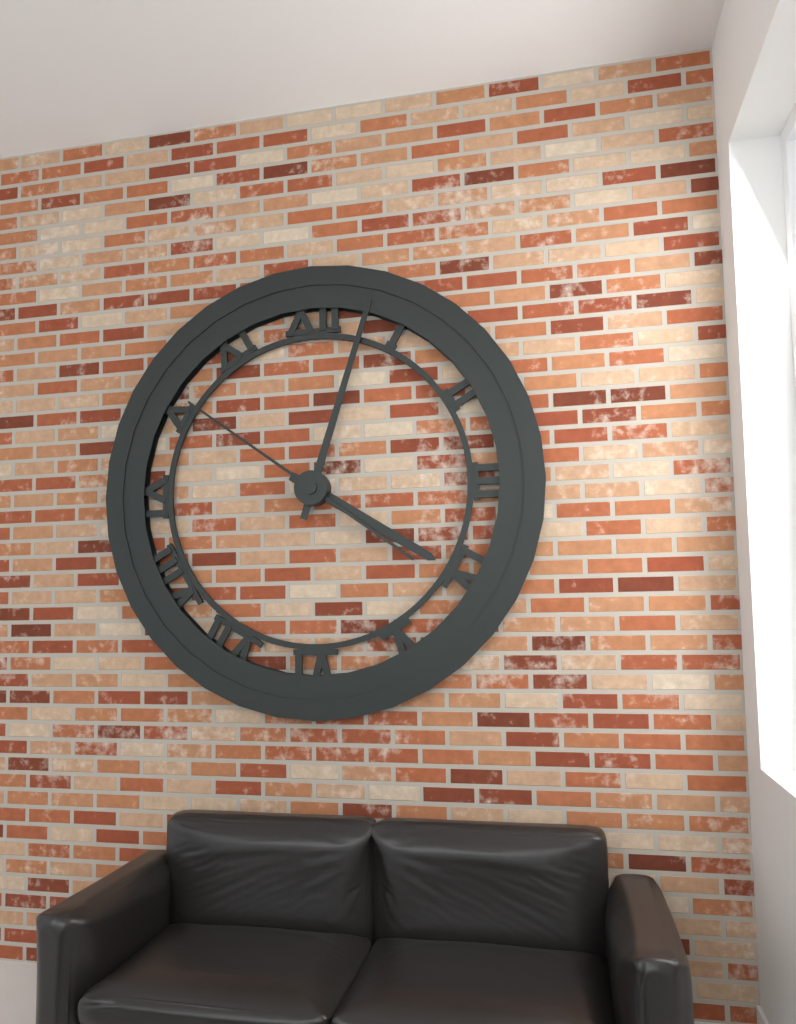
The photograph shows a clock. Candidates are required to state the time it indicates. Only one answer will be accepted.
4:03:51
